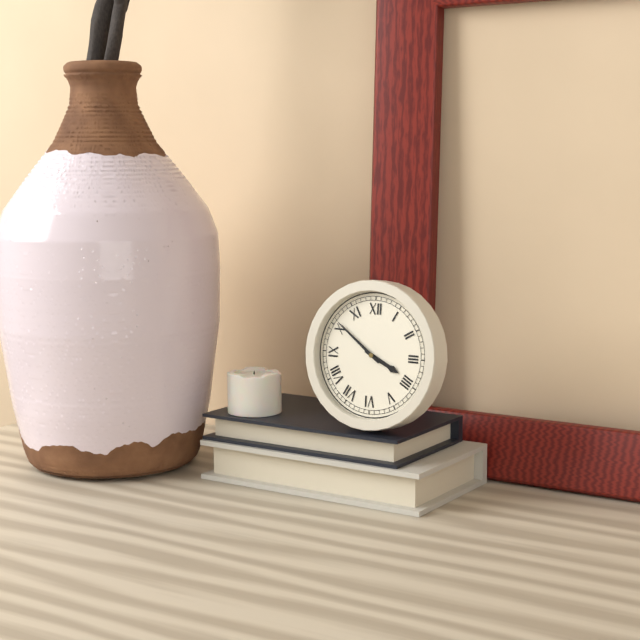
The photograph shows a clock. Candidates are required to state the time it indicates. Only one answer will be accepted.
3:51
